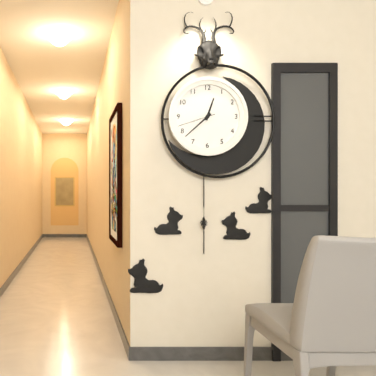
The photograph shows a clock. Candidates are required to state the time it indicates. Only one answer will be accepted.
12:38
